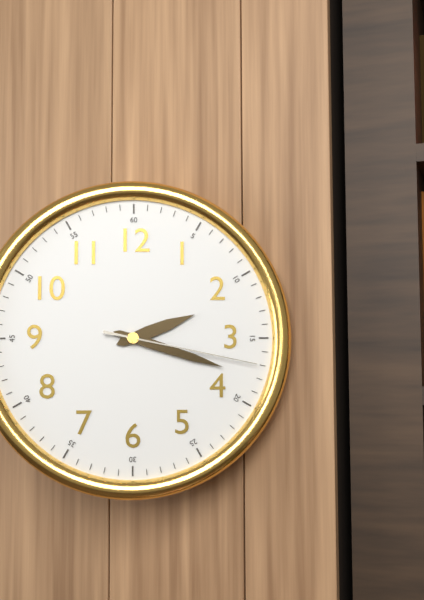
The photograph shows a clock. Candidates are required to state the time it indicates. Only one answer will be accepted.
2:18:17
